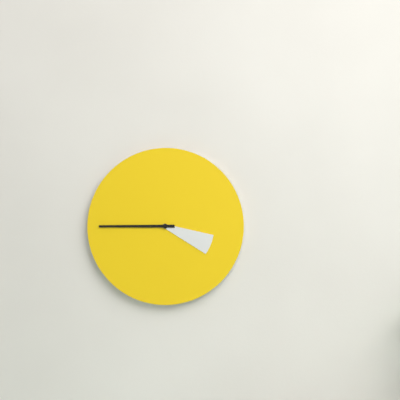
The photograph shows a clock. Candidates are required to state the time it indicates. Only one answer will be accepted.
3:45
